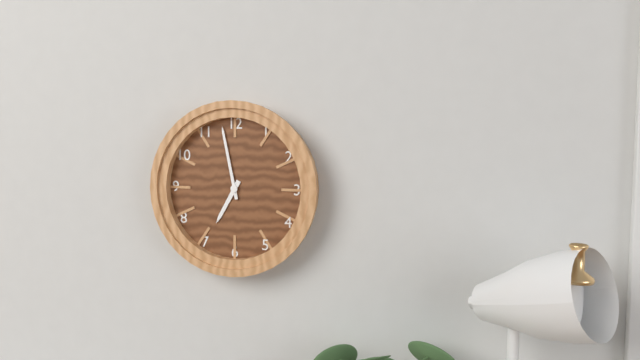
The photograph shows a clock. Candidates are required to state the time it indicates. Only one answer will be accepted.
6:58
